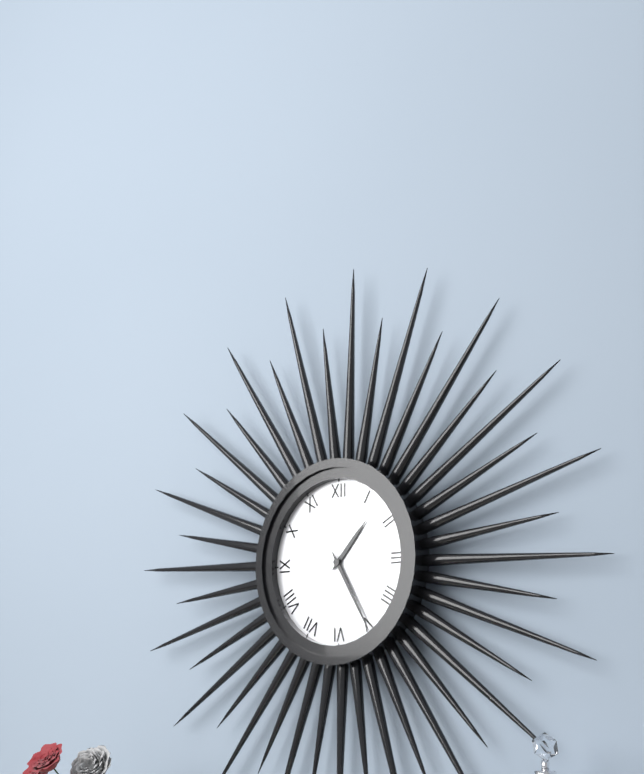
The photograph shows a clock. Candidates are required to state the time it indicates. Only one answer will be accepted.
1:25
